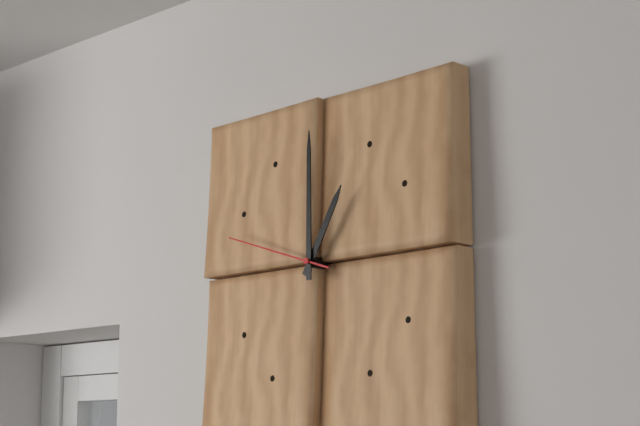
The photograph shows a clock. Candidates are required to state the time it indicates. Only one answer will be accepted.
1:00:48
